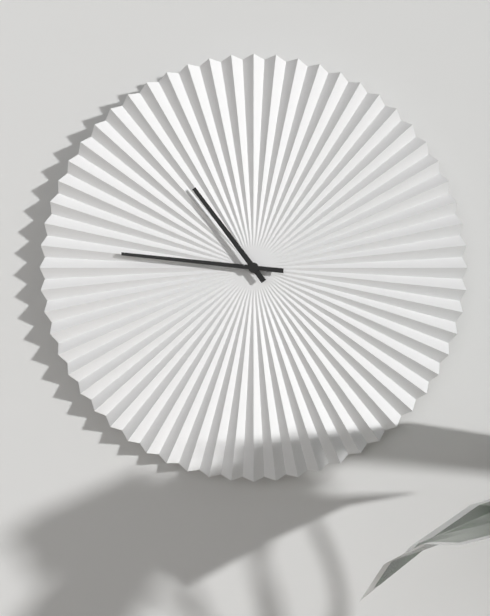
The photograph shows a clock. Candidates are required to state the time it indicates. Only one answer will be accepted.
10:46
